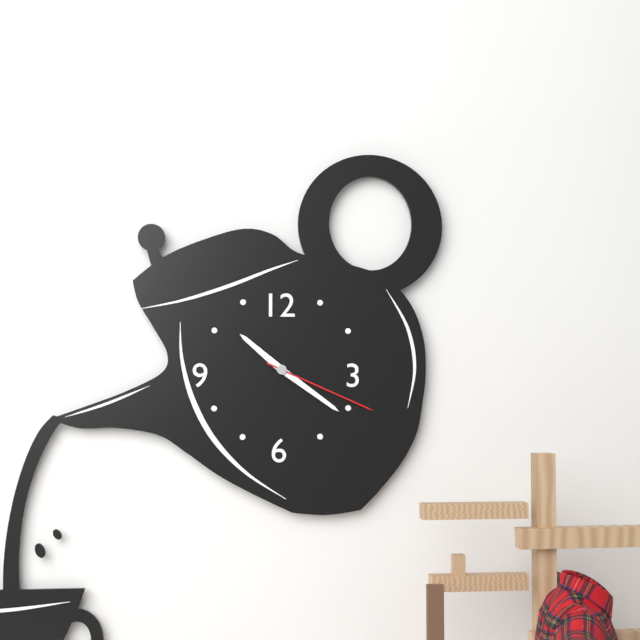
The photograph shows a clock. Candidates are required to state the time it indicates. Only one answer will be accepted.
10:21:19
